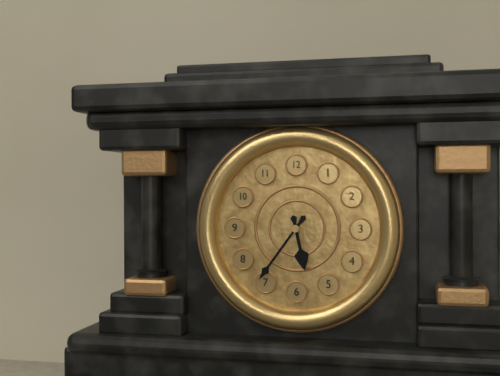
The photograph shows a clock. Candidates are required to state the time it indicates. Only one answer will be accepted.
5:36
